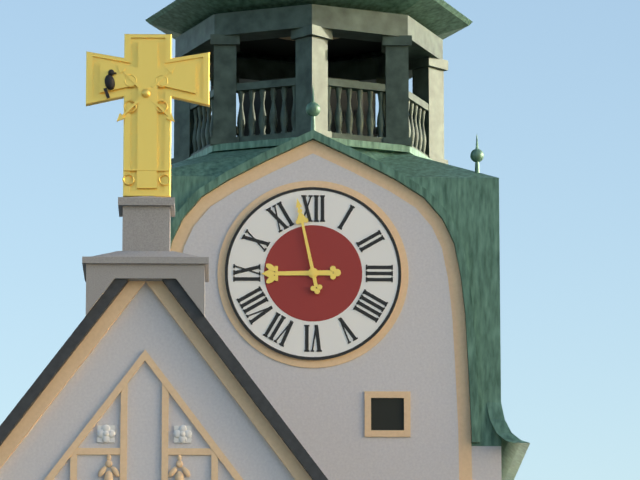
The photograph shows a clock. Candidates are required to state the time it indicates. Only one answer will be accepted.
8:58
